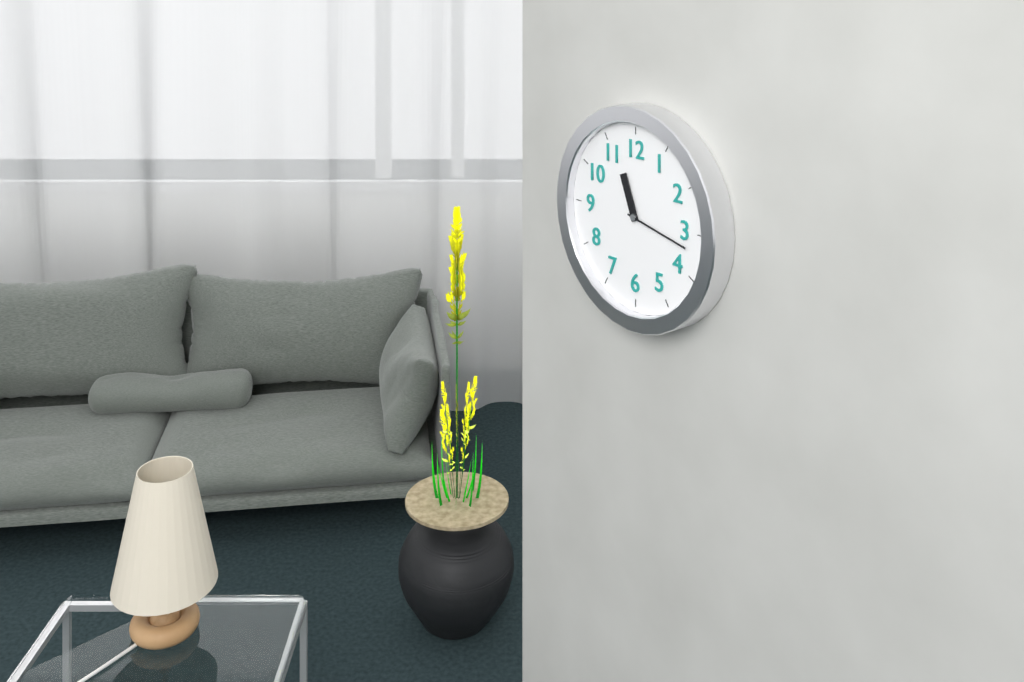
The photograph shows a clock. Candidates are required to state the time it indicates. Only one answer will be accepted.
11:17
